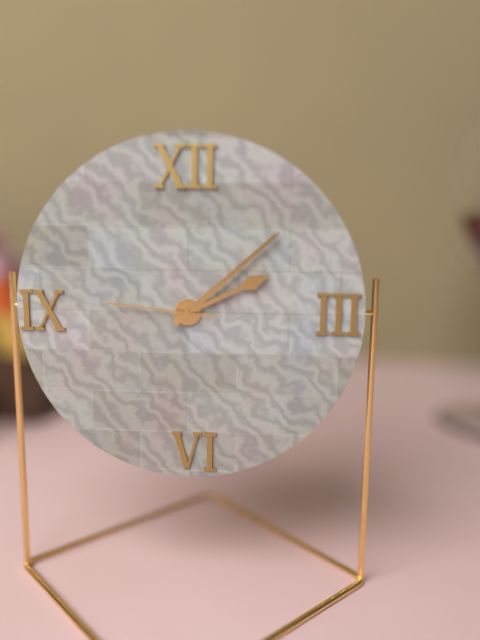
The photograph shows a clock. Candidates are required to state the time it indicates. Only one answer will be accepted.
2:08:46
